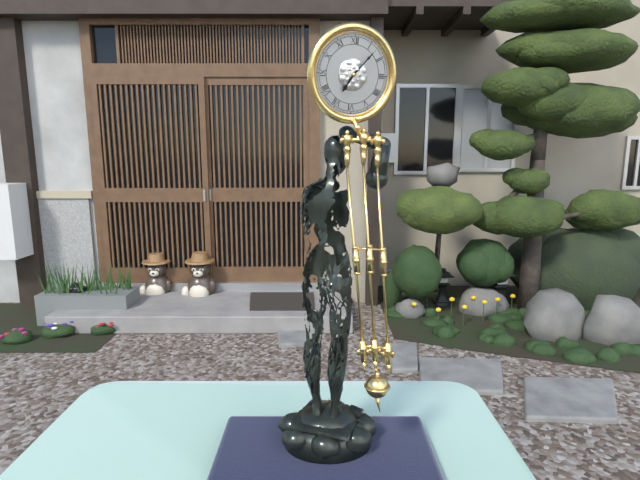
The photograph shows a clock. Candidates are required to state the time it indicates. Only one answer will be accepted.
7:07
